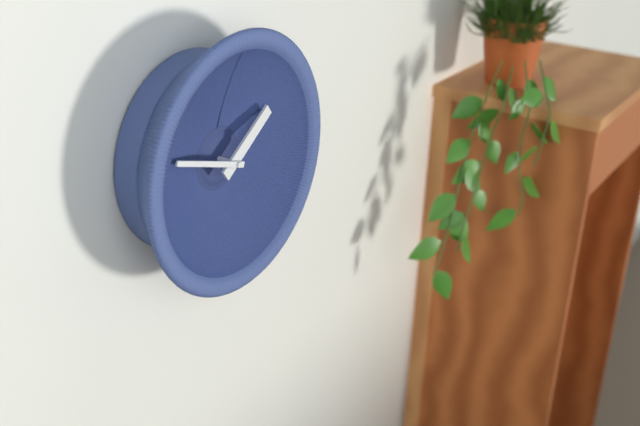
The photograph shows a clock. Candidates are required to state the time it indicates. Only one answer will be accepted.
1:48
